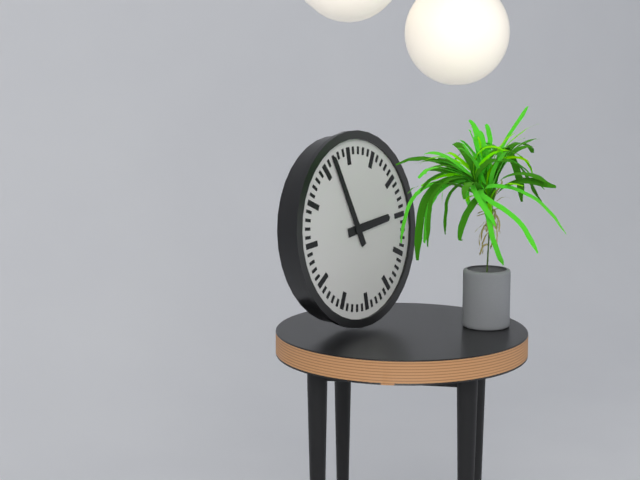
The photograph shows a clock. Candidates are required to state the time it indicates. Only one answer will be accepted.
2:57
